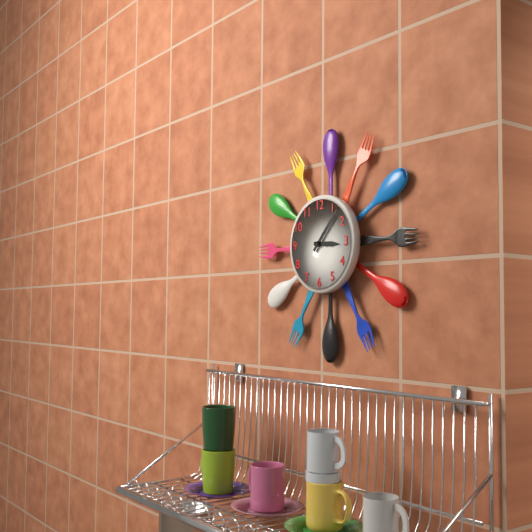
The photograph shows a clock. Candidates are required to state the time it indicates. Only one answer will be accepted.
3:07
